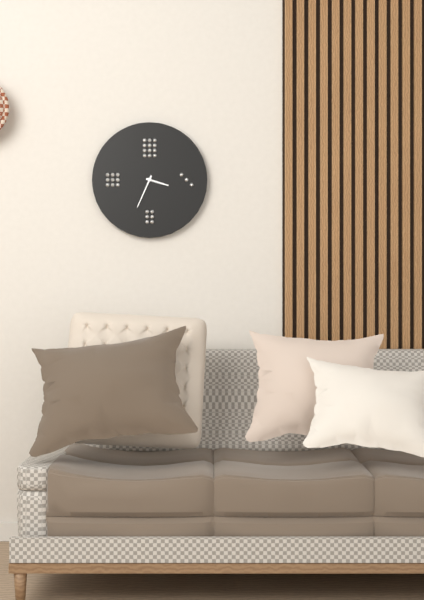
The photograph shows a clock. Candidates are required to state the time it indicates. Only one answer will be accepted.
3:34
